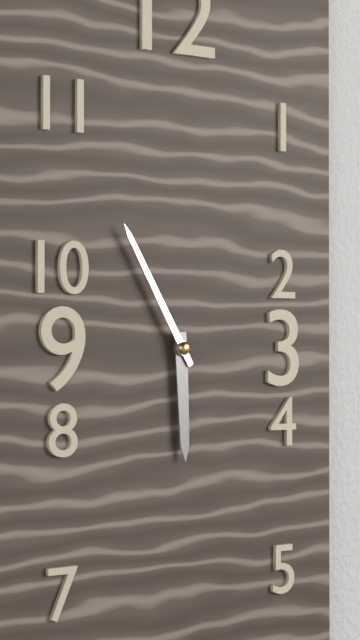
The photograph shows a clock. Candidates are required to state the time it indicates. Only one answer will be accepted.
5:55
